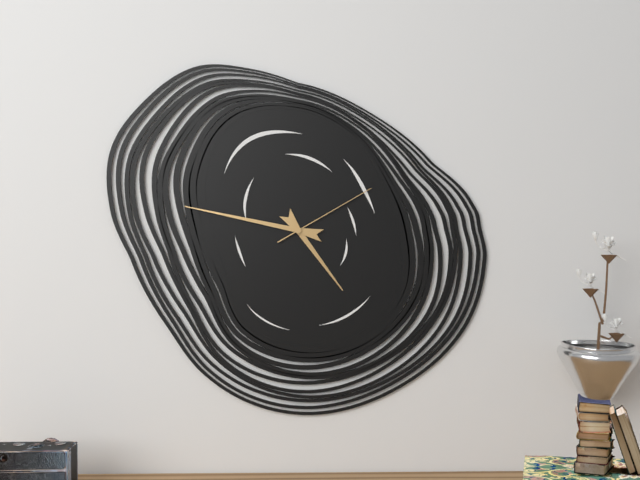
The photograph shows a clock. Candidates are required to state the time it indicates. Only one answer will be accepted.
4:47:10
